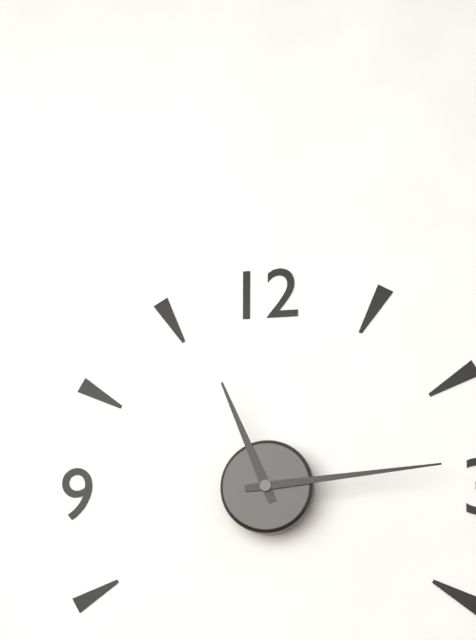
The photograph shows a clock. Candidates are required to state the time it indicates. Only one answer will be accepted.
11:14
